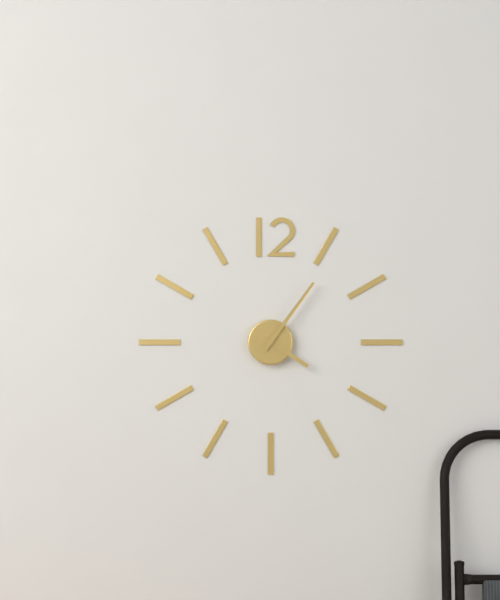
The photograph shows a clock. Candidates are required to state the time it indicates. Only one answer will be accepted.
4:06
